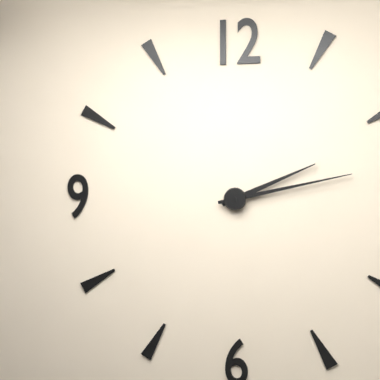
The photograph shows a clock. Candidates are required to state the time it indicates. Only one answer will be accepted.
2:13
